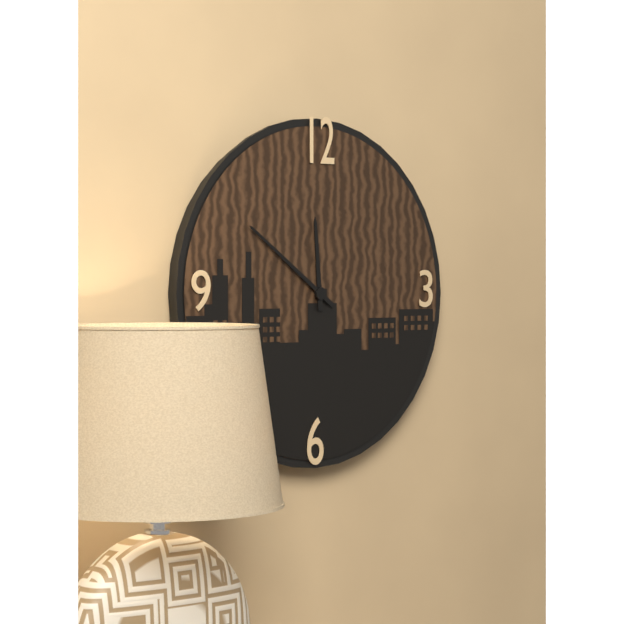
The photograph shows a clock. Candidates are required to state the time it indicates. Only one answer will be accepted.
11:51
